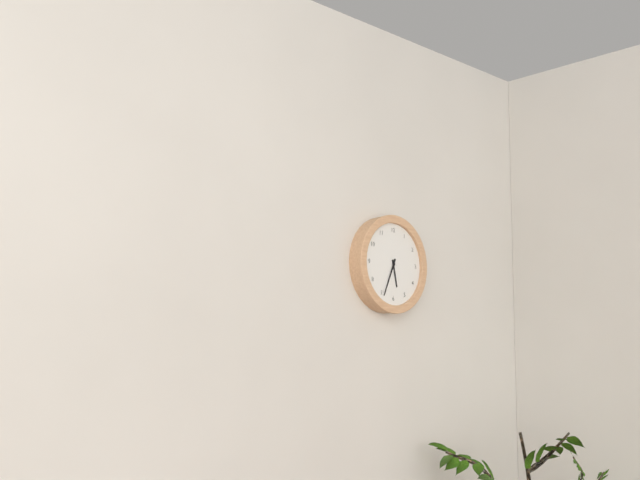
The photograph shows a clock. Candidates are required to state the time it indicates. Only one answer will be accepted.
5:34
